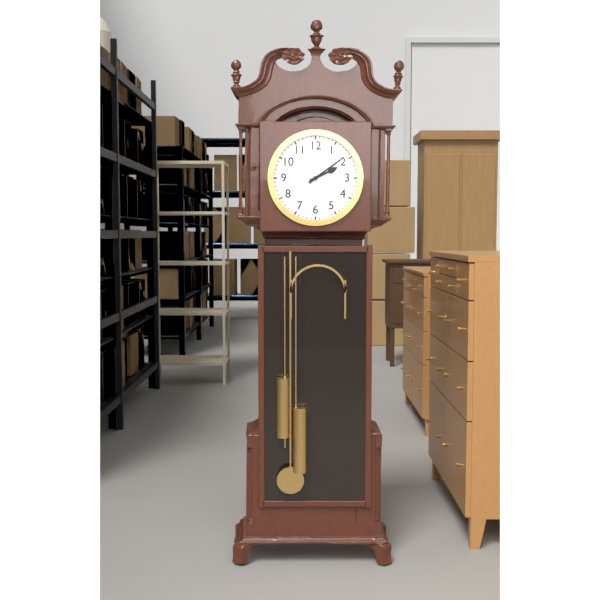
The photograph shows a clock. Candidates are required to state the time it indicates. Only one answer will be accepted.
2:09
